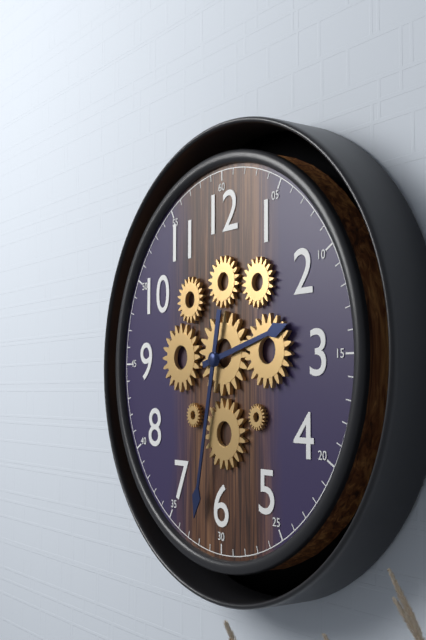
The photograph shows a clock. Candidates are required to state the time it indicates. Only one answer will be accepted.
2:32
